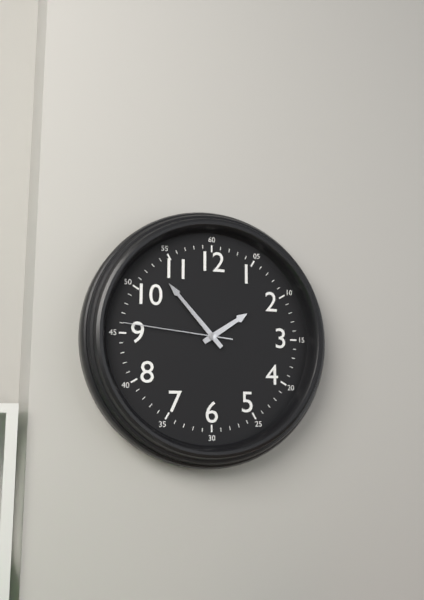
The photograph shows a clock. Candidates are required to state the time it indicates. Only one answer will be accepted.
1:53:46
